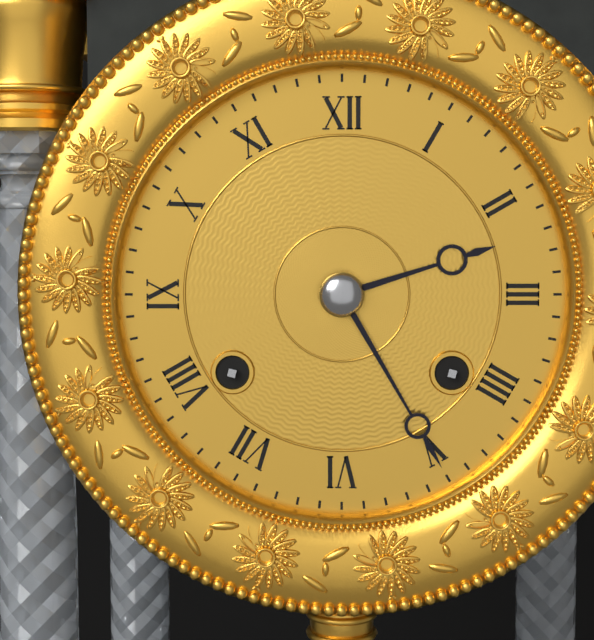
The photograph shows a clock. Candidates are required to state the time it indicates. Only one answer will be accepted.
2:25
